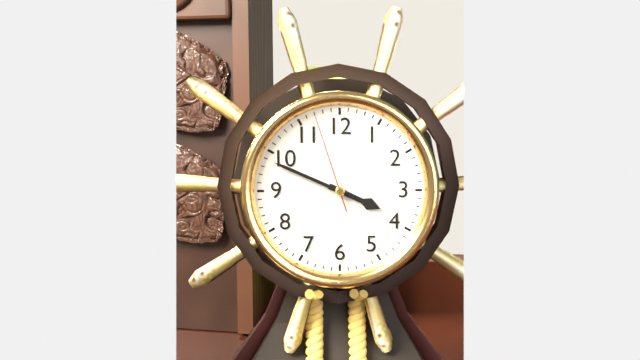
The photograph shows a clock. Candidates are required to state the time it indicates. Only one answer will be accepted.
3:49:57
